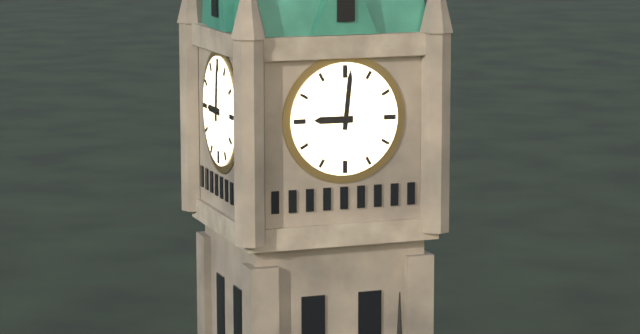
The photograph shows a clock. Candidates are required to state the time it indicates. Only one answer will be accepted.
9:01
